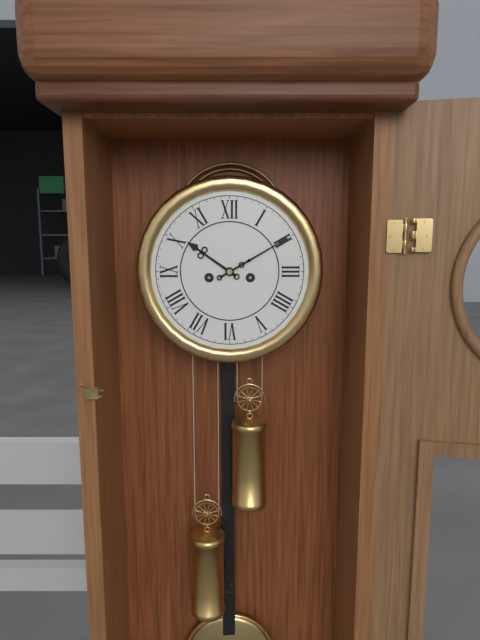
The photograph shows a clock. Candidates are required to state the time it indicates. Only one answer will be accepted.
10:10
